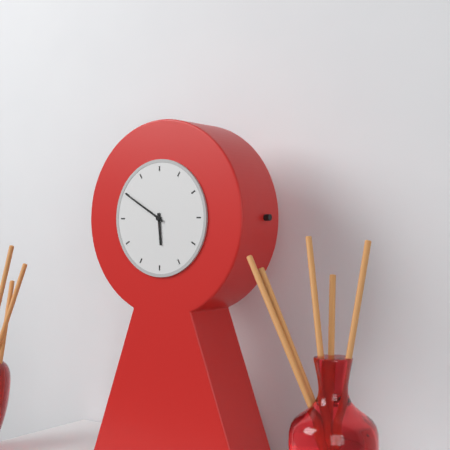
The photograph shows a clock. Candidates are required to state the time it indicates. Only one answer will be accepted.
5:50
